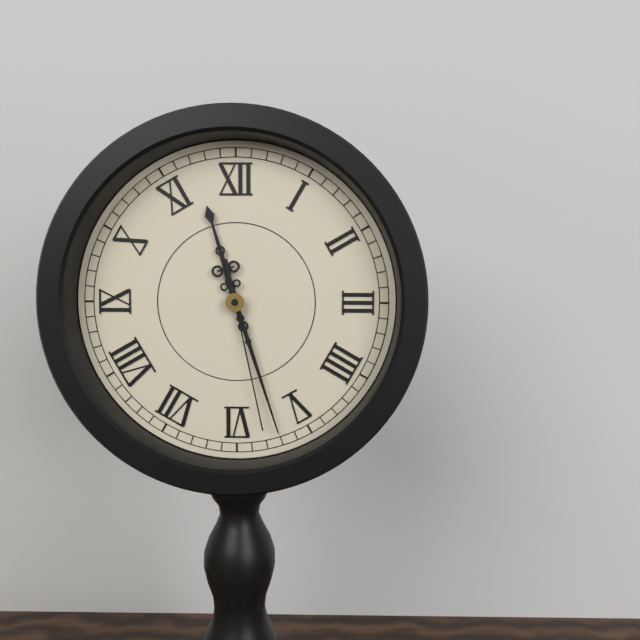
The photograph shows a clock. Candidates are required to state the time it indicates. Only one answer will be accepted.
11:27:28
